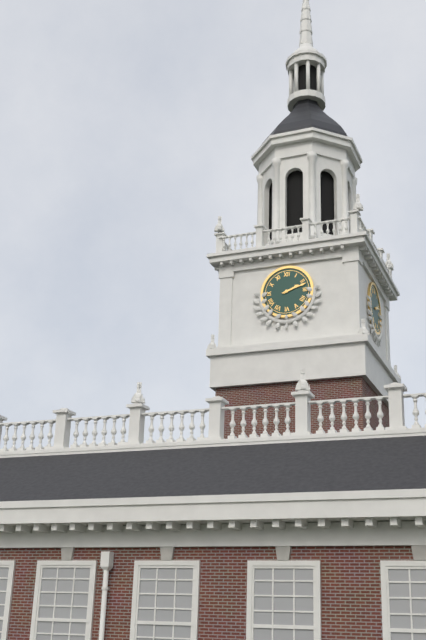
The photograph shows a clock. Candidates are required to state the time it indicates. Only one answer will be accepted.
2:12
